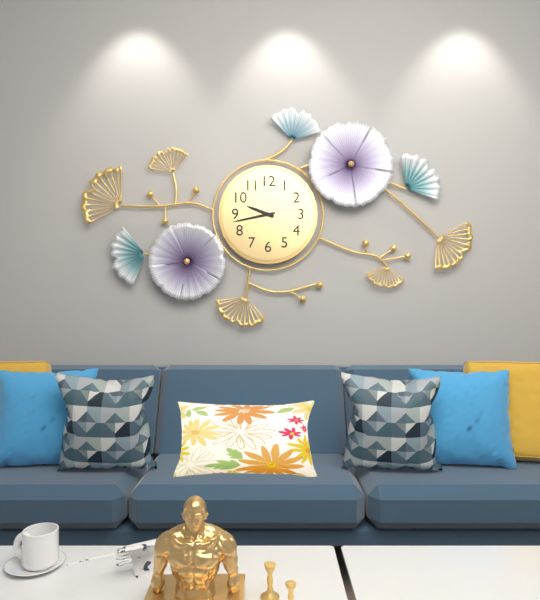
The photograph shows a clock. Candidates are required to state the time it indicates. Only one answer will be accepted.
9:43
